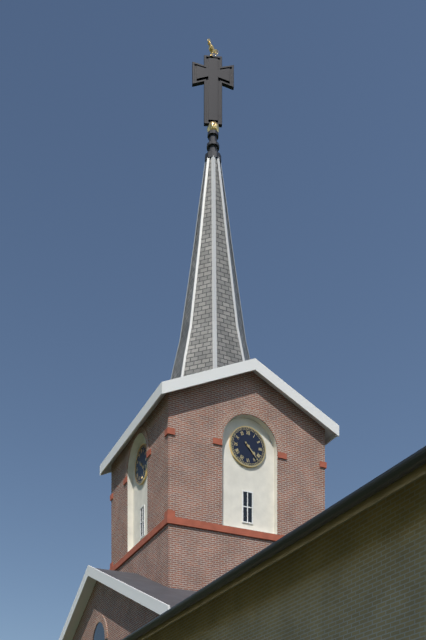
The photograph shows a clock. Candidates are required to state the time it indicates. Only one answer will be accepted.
4:23
